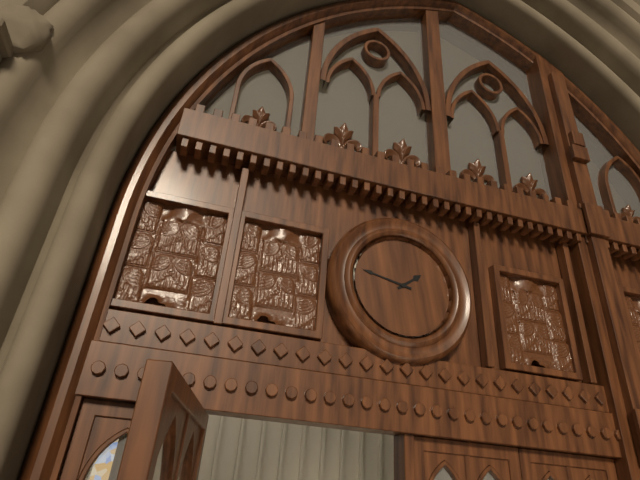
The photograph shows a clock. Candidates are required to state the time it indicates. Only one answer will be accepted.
1:47
